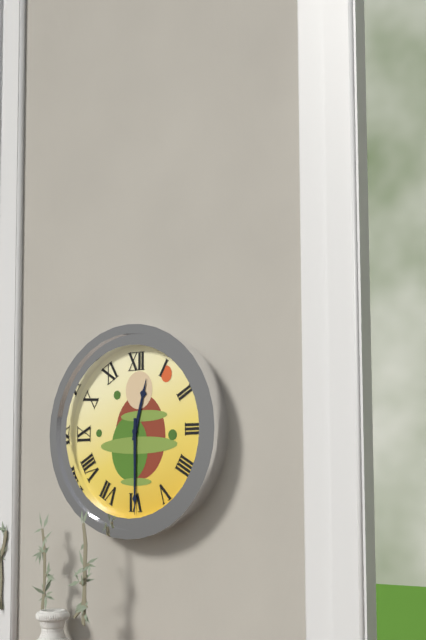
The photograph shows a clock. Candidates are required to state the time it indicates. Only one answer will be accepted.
12:30
